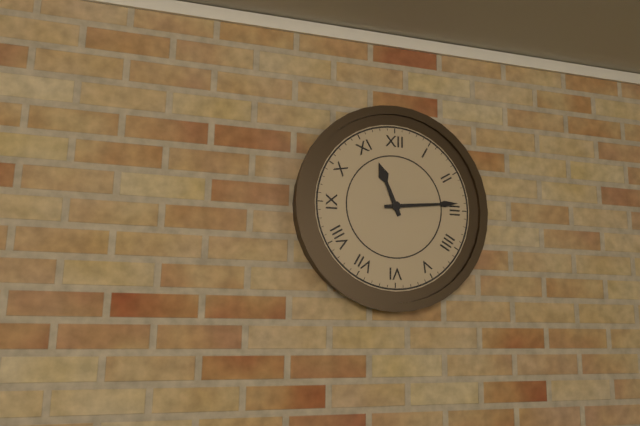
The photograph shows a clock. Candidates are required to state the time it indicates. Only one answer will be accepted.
11:14
